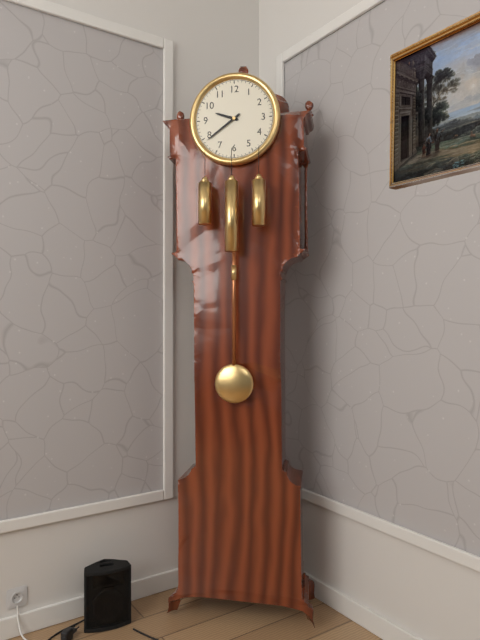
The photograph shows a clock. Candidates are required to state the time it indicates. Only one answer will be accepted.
9:39
